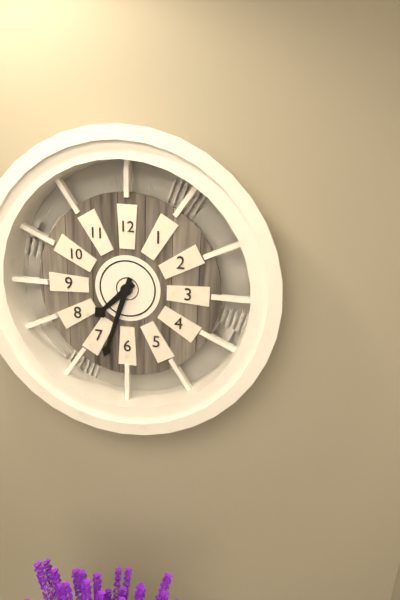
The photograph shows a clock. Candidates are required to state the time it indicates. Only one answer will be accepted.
7:33
